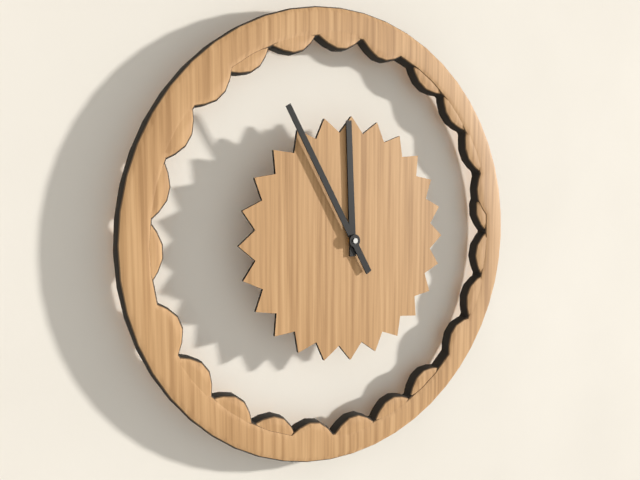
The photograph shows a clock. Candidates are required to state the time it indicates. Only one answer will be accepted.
11:55
